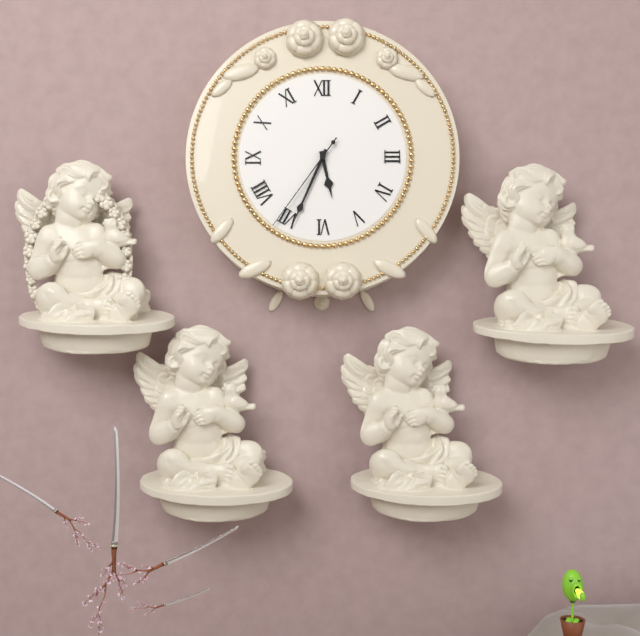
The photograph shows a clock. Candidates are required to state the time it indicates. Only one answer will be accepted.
5:34:36
